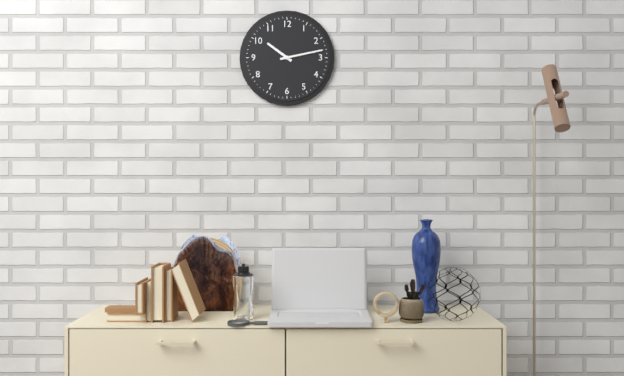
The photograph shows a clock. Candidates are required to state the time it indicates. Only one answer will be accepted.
10:13
